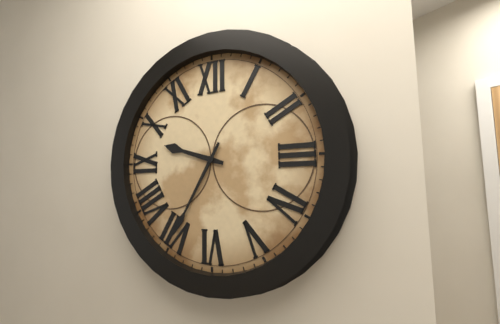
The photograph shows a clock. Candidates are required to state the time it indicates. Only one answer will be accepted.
9:35
